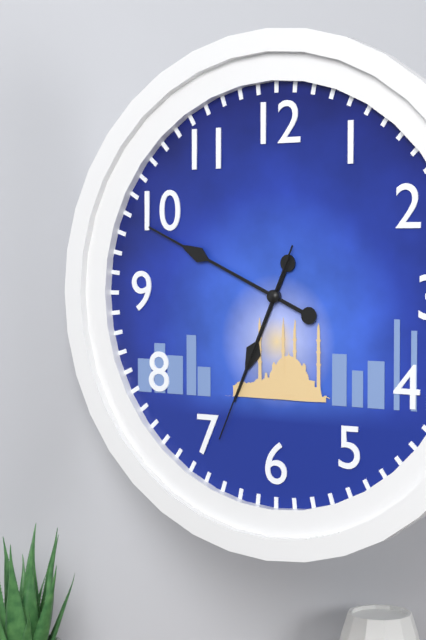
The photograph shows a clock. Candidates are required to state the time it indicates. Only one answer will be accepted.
6:49:34
